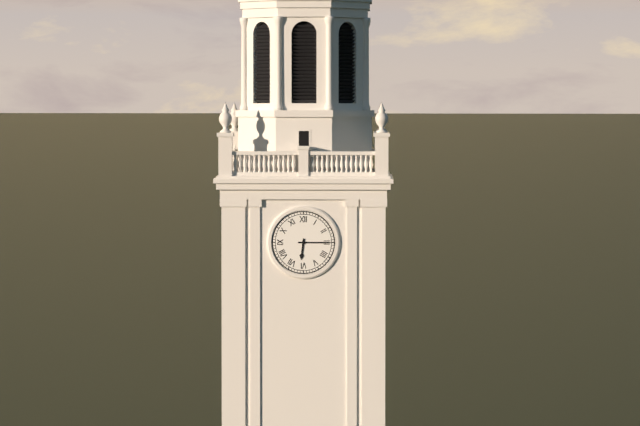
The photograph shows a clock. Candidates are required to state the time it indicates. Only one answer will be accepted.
6:15
